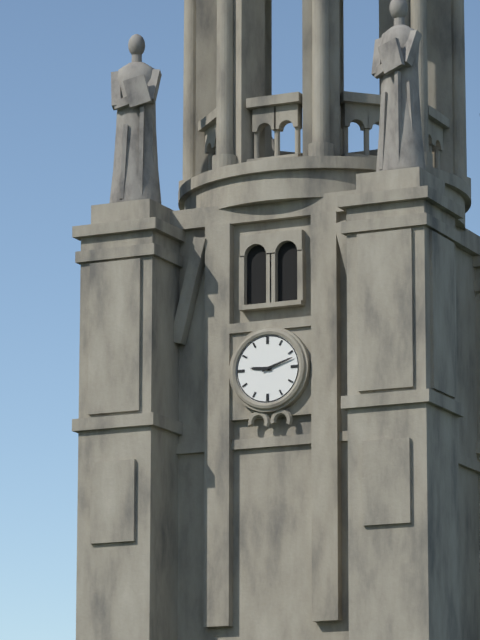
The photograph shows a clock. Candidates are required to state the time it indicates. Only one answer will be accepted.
9:12
